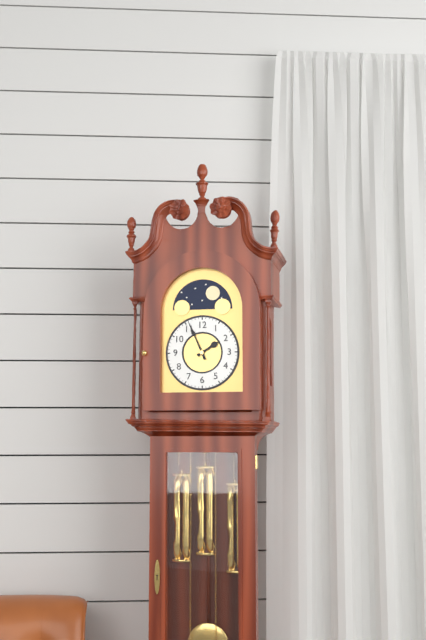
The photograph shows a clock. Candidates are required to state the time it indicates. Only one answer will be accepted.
1:56
